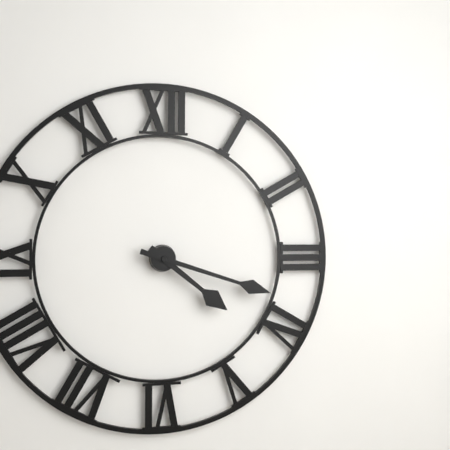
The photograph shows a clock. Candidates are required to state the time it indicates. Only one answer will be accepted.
4:18
